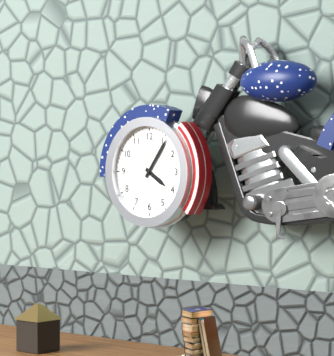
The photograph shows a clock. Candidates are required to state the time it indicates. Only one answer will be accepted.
4:06
